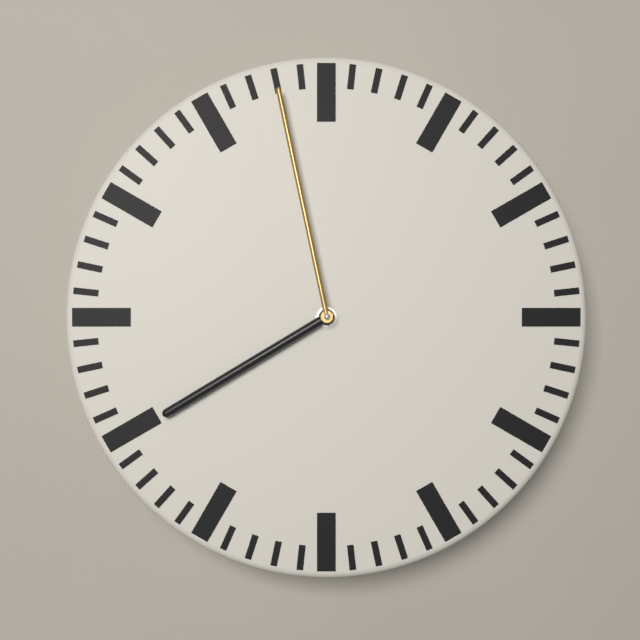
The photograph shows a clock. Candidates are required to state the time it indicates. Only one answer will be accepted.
7:58
